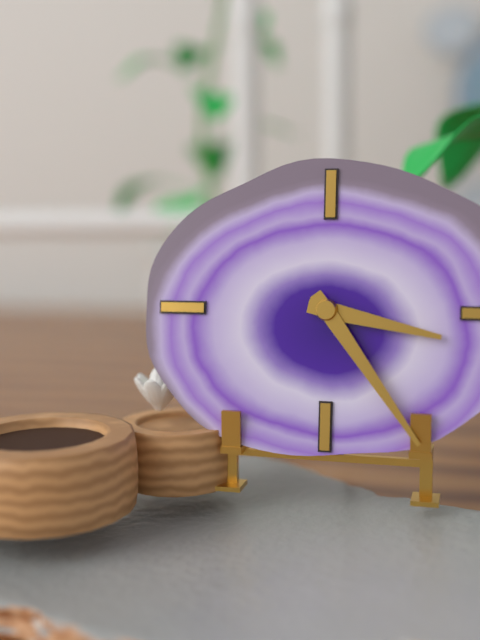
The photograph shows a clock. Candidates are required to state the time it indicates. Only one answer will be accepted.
3:24
